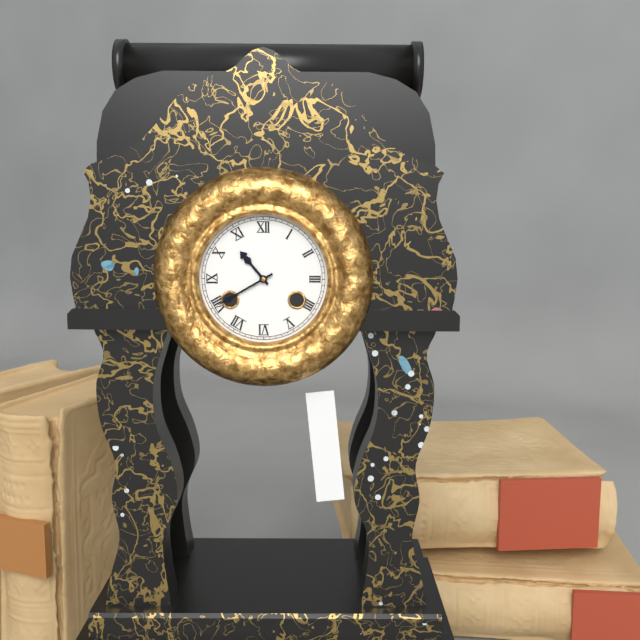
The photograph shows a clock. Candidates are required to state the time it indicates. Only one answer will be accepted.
10:40
